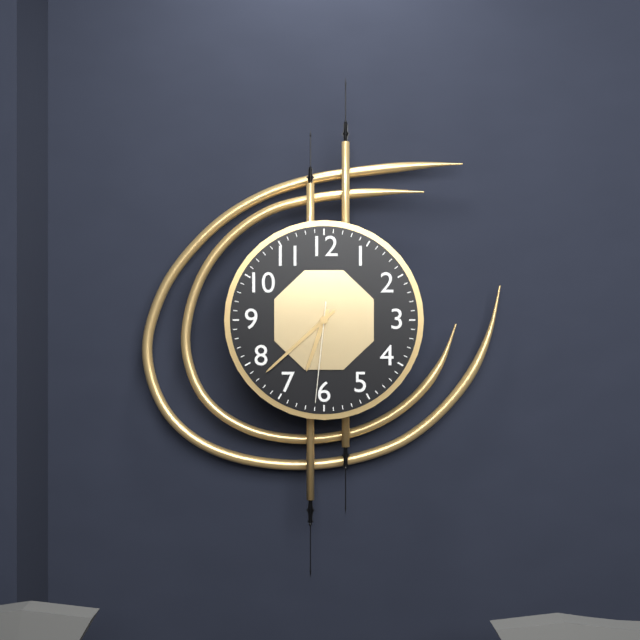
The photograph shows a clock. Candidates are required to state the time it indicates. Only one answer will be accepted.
6:38:31
